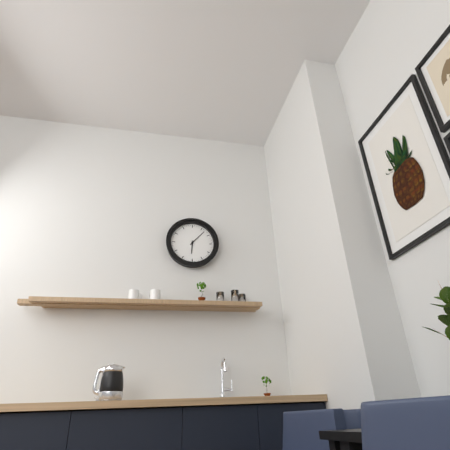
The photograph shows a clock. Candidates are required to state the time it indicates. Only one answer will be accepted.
6:07
